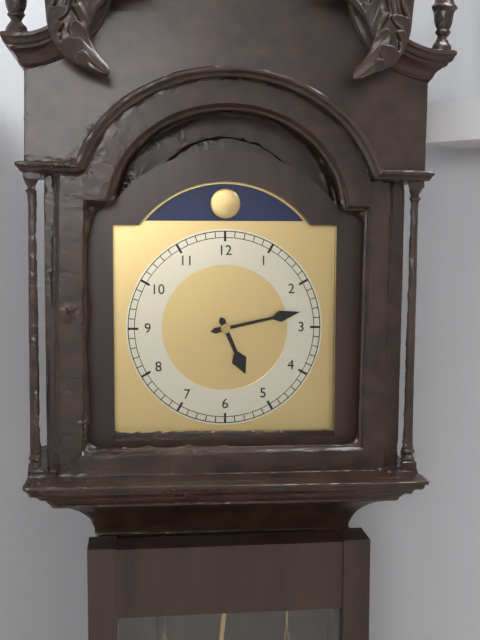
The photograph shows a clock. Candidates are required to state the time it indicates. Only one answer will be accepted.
5:13
